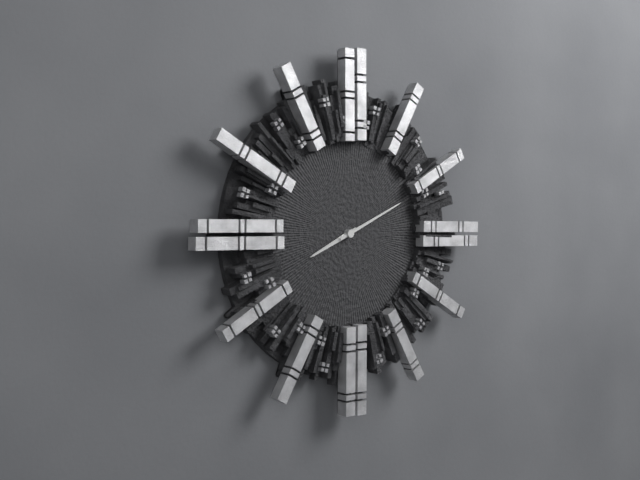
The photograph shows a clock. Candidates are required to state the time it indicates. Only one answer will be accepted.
8:11
